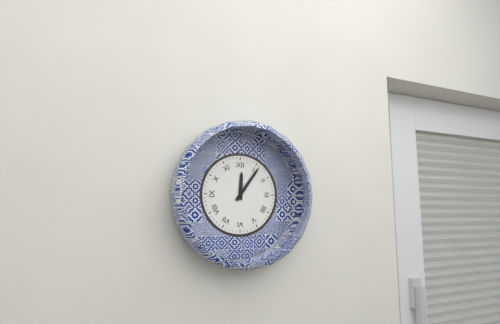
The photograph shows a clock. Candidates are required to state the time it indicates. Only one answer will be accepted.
12:06
